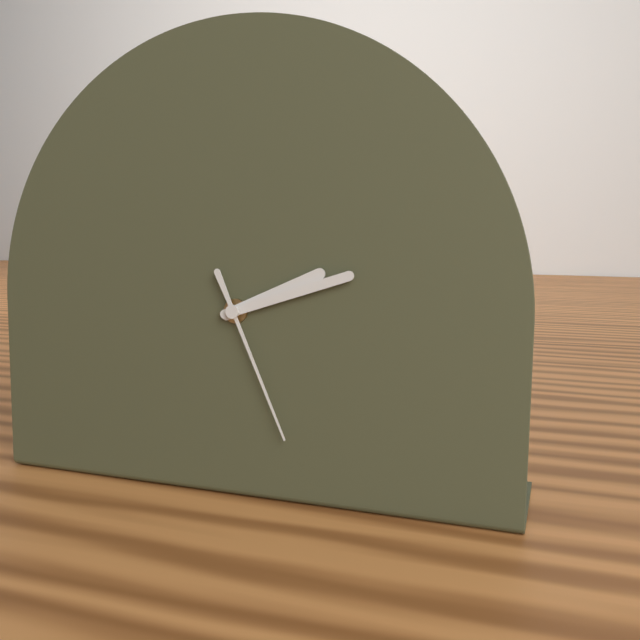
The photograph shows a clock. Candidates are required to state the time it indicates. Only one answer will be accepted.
2:12:26
